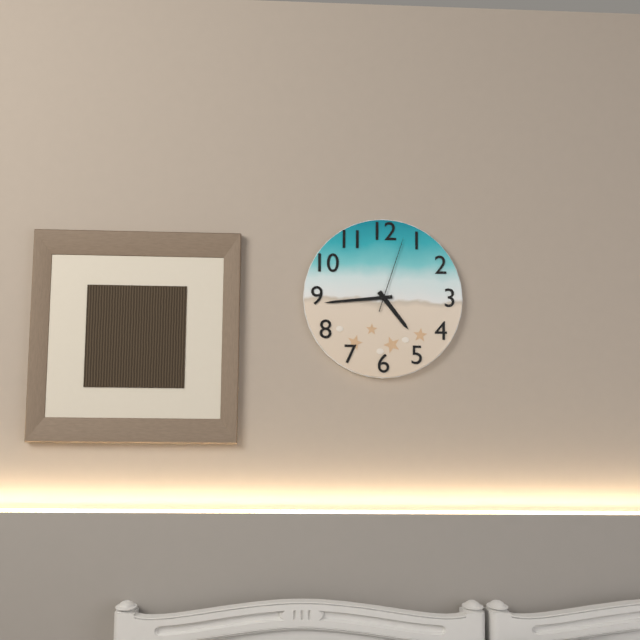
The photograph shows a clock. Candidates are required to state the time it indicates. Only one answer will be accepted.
4:44:03
